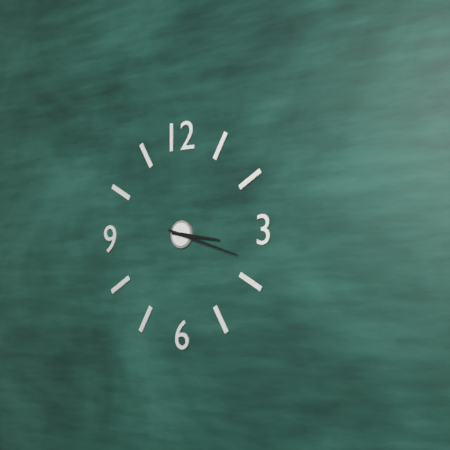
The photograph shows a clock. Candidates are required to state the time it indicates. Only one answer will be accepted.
3:18
